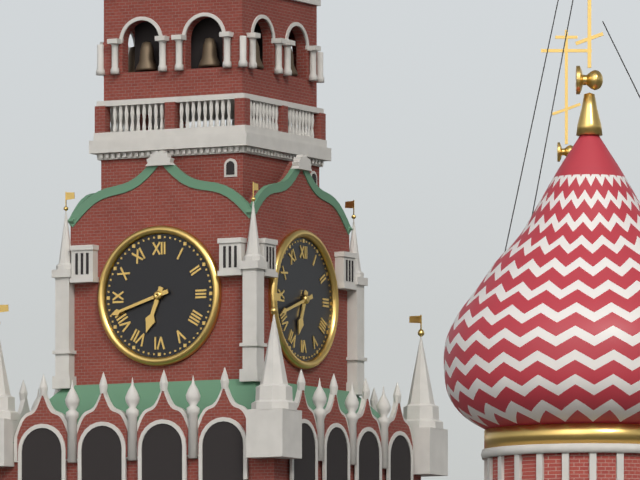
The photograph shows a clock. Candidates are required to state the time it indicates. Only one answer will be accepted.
6:42
